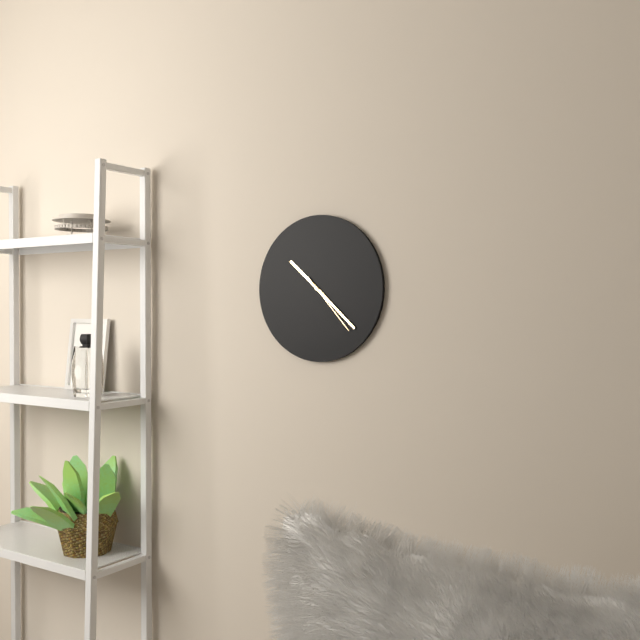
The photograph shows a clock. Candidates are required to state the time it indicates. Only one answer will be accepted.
10:22:23
